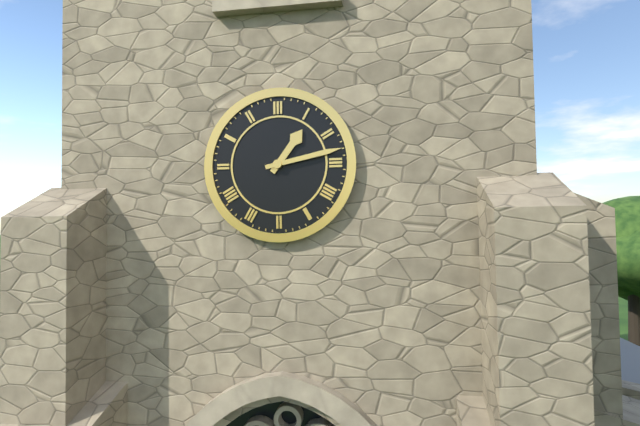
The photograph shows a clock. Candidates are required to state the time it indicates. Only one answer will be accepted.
1:13
